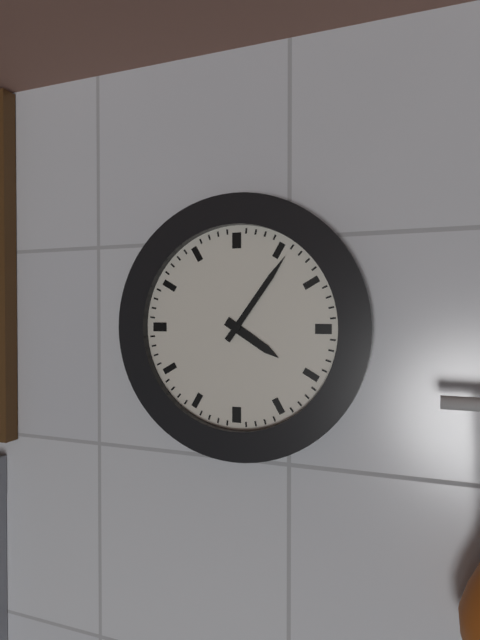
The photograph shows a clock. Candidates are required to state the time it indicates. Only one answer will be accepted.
4:06
